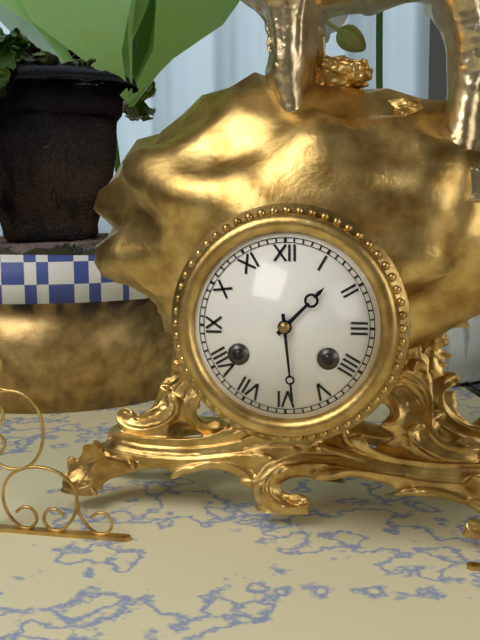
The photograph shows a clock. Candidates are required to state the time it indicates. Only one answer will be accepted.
1:29
